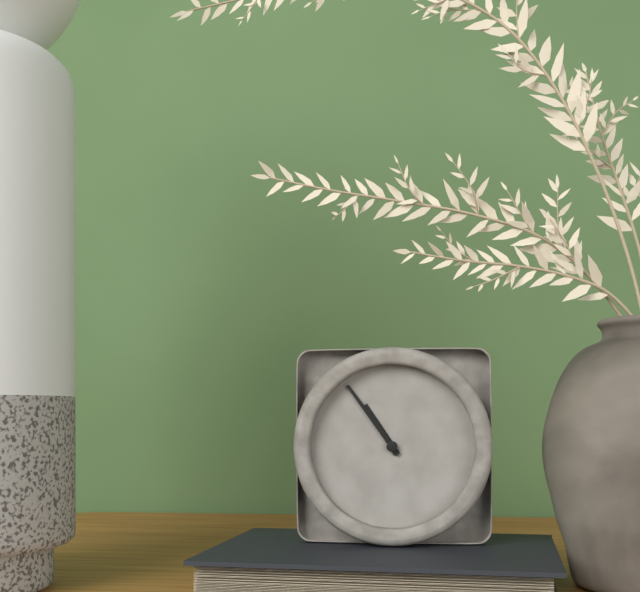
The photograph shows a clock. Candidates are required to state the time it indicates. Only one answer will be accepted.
10:54
